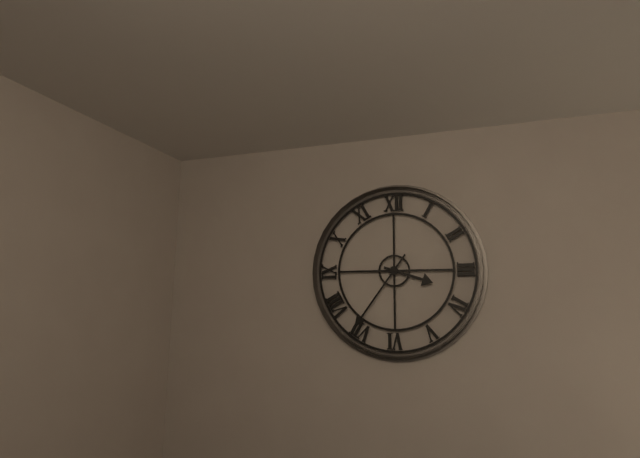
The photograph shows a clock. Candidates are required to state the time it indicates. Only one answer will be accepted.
3:36
